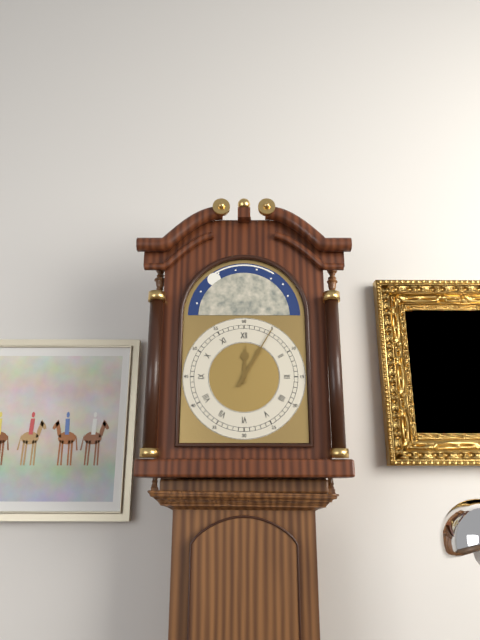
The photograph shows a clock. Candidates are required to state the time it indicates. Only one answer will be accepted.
12:05
